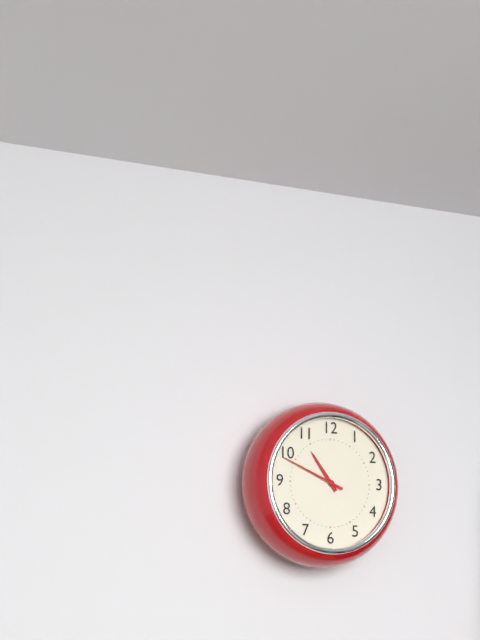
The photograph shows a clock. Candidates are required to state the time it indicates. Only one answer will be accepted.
10:49
